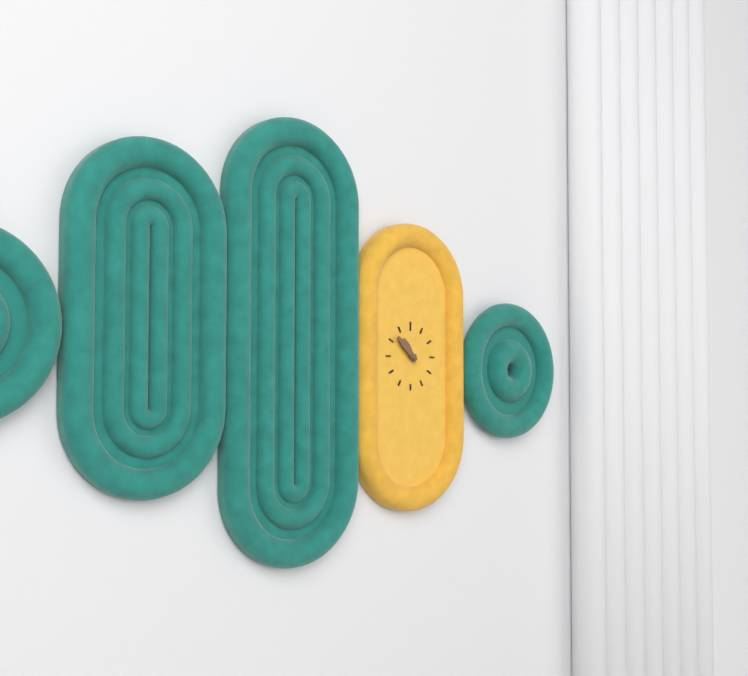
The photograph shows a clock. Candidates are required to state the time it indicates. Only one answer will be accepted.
10:52
